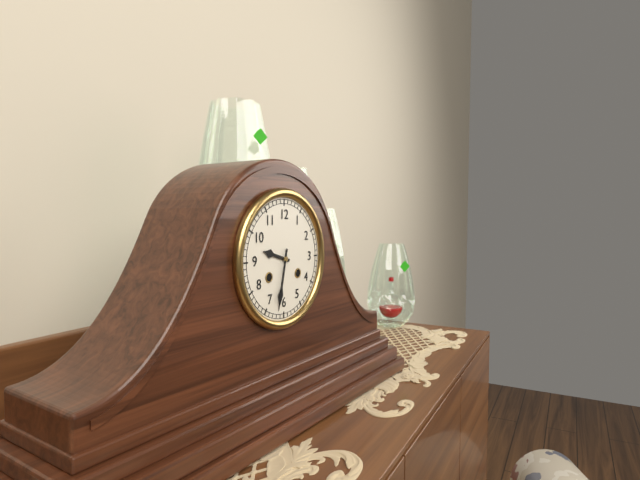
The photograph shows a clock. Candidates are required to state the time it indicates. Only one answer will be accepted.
9:32
